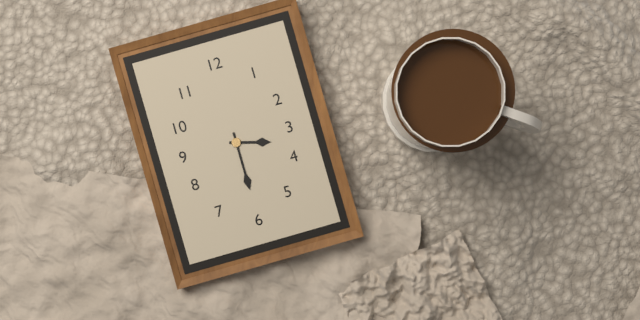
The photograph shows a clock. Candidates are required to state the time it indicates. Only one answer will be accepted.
3:30
